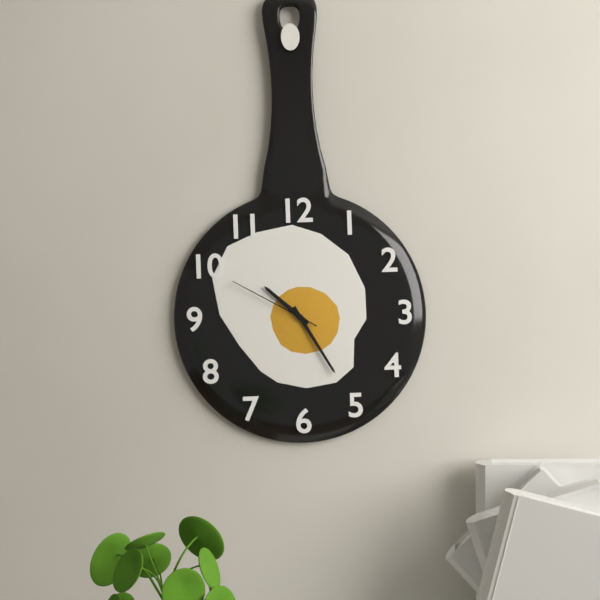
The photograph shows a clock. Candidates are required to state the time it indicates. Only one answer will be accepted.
10:25:50
